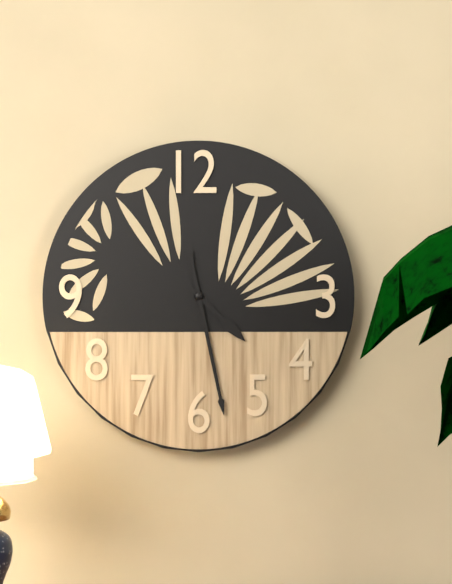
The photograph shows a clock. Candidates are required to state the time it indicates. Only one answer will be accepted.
4:28
